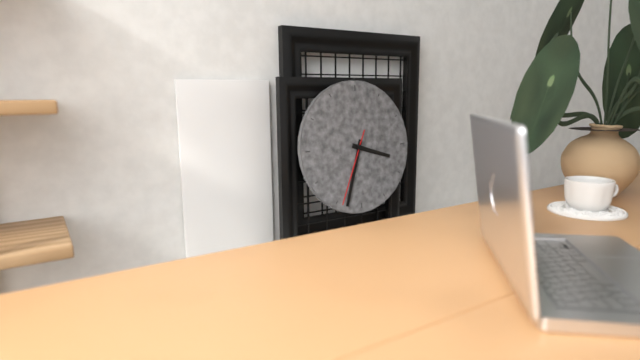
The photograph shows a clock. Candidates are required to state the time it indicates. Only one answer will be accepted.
3:33:34
